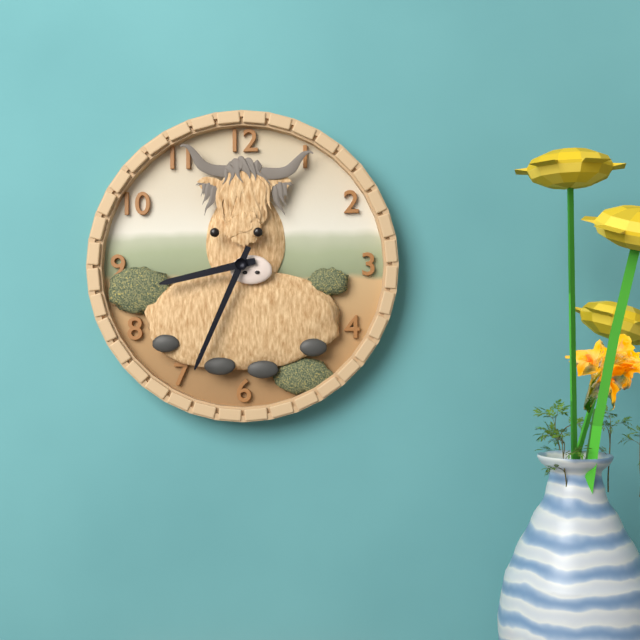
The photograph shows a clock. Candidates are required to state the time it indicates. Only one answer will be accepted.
8:34
